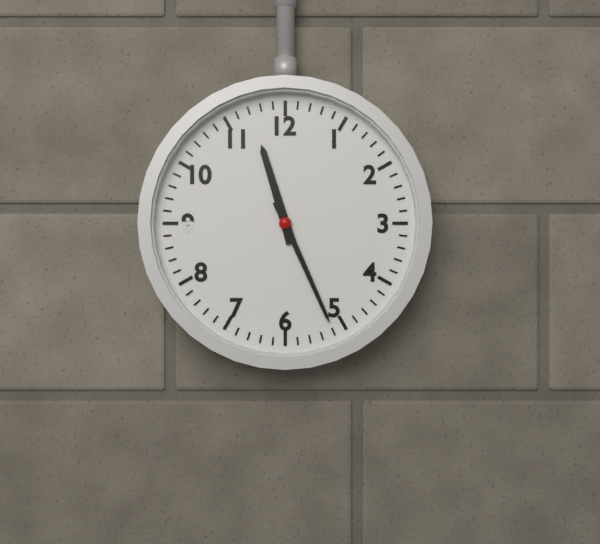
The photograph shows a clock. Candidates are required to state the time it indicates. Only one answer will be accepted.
11:26
